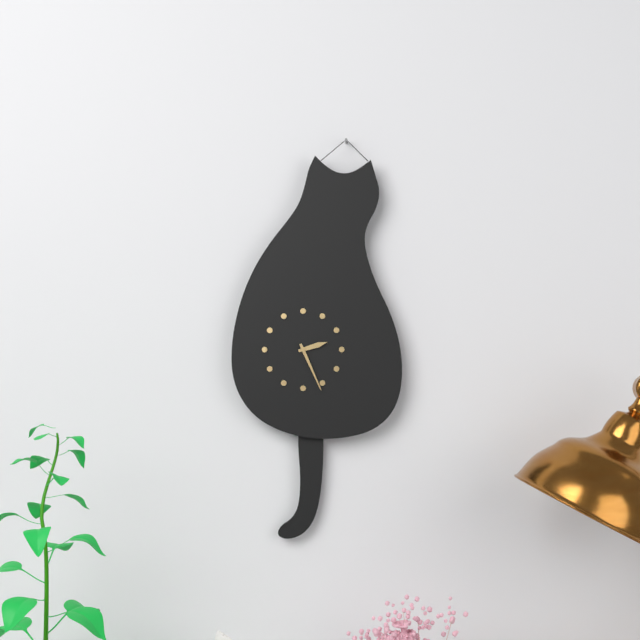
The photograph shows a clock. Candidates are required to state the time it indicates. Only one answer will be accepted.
2:26
